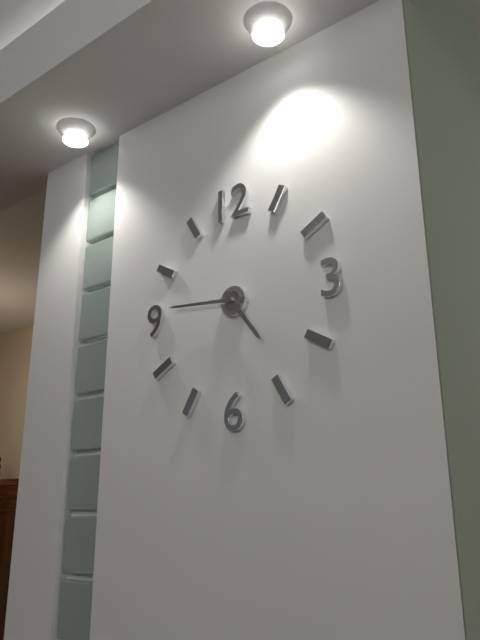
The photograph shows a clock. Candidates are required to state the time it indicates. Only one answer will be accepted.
4:46
